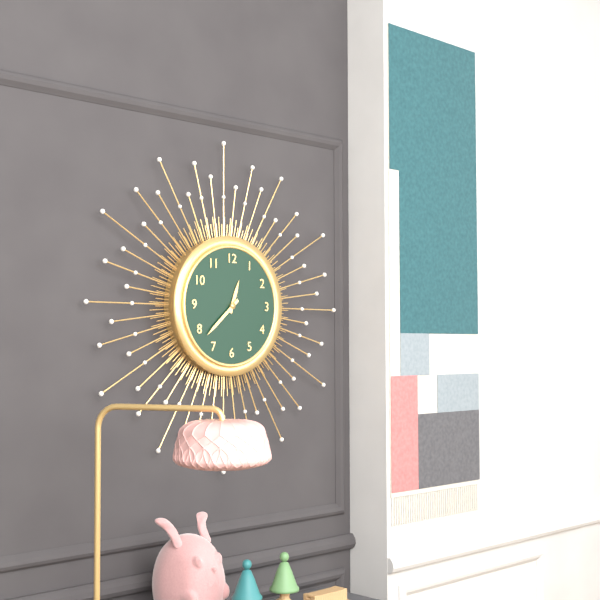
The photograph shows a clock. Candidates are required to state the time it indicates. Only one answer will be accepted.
12:38
